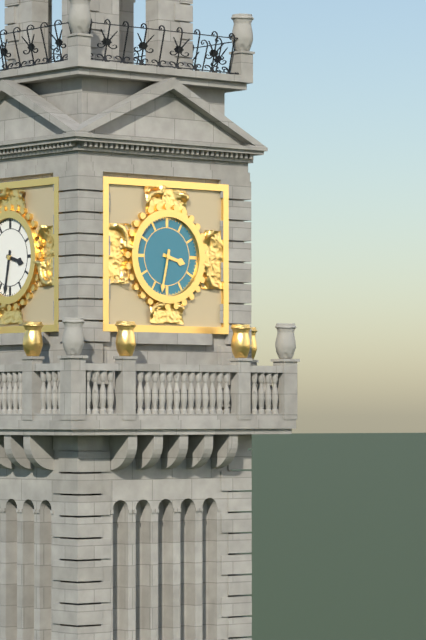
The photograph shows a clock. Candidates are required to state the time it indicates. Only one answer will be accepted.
3:32
